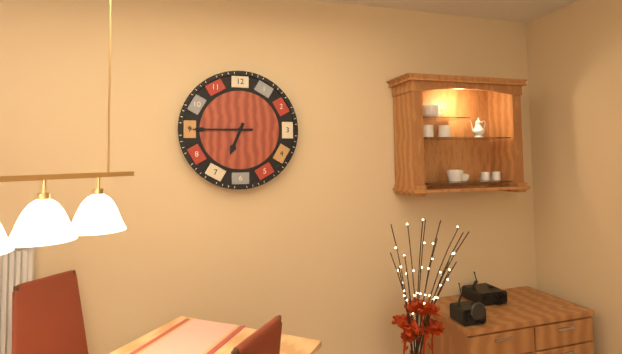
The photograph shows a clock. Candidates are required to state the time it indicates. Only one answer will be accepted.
6:45
